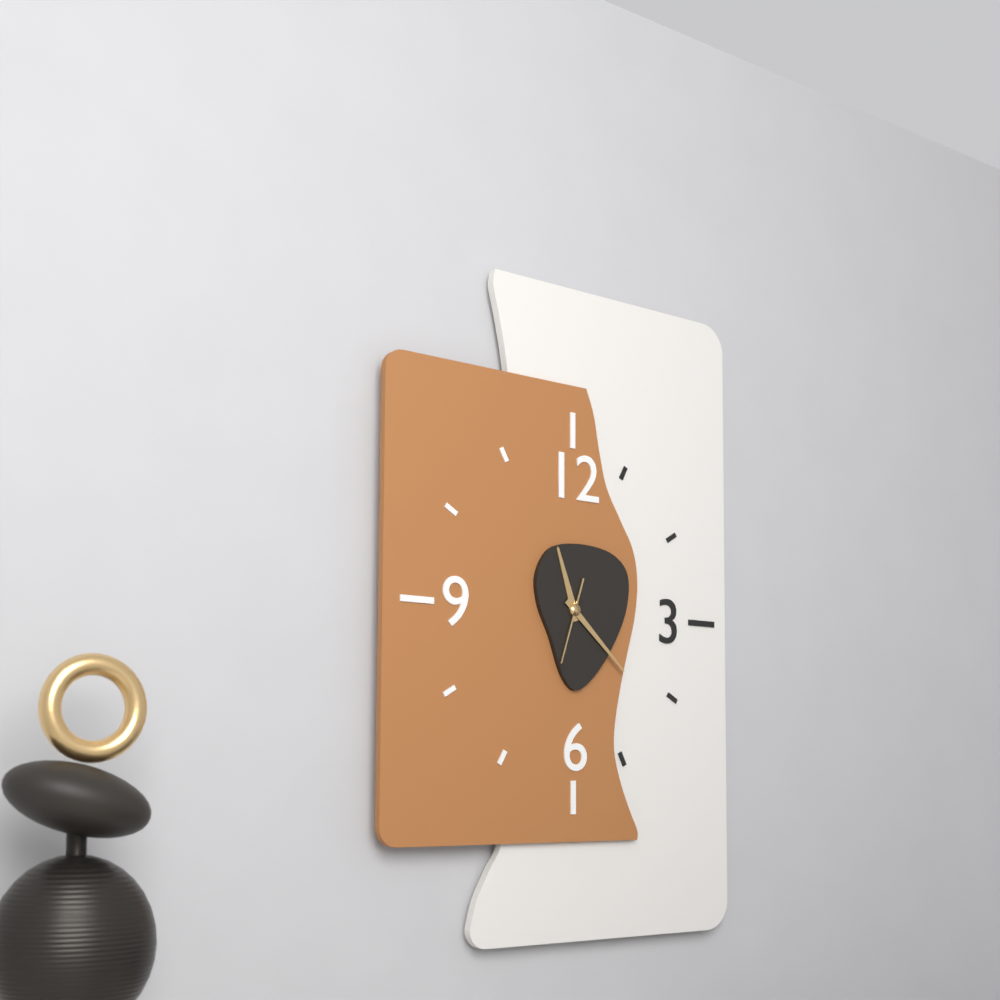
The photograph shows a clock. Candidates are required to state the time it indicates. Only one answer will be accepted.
11:22:33
